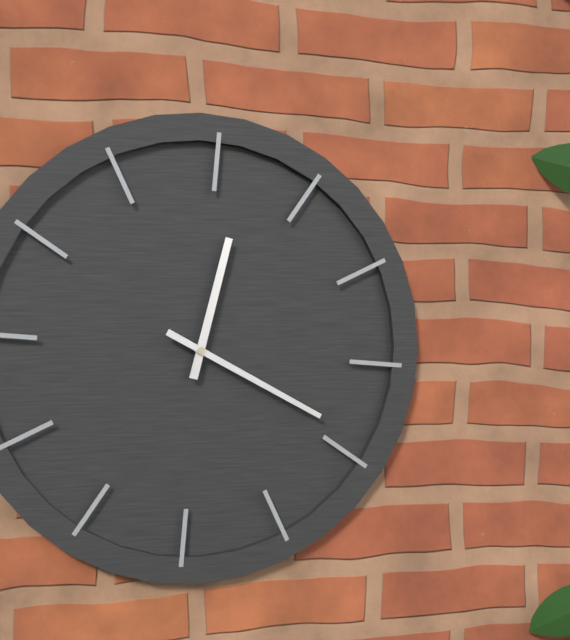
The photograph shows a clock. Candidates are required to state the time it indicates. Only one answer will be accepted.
12:19
